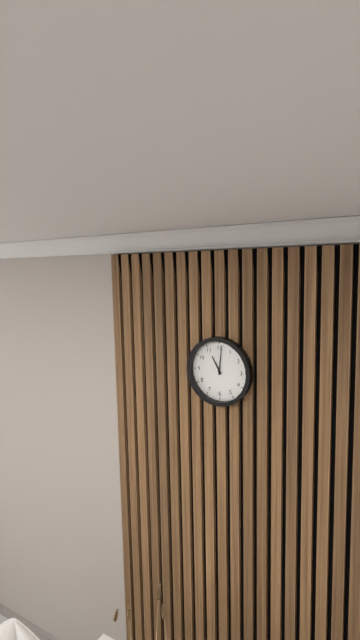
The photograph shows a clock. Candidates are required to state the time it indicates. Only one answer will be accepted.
11:01
